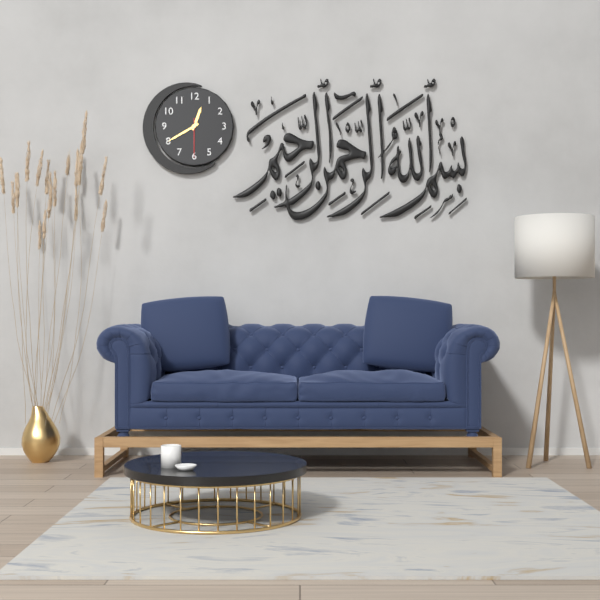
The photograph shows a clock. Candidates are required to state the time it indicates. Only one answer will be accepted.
12:40
